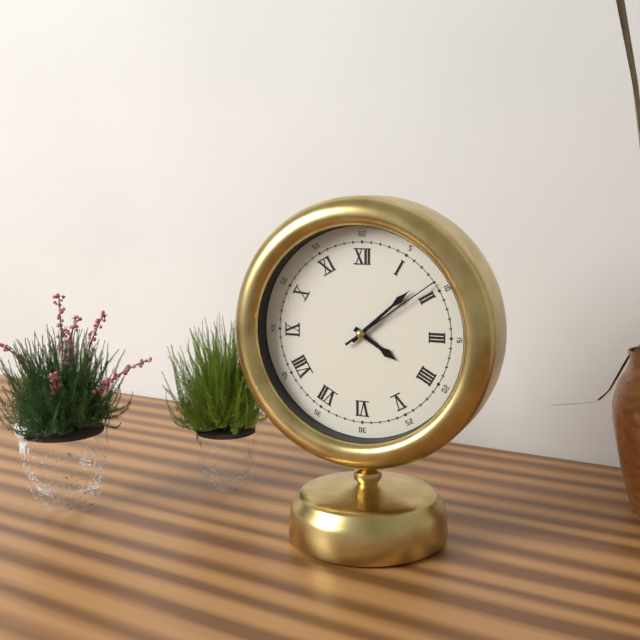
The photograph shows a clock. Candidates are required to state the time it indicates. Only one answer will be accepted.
4:08:09
